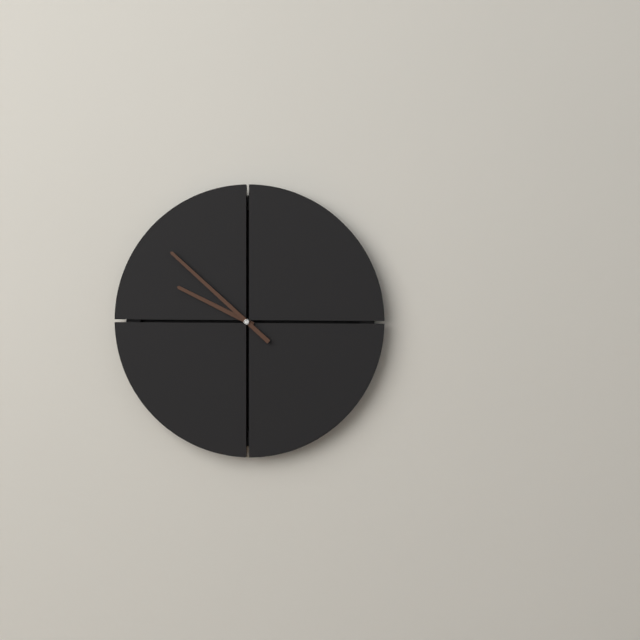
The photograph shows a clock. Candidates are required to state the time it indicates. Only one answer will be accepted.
9:52
